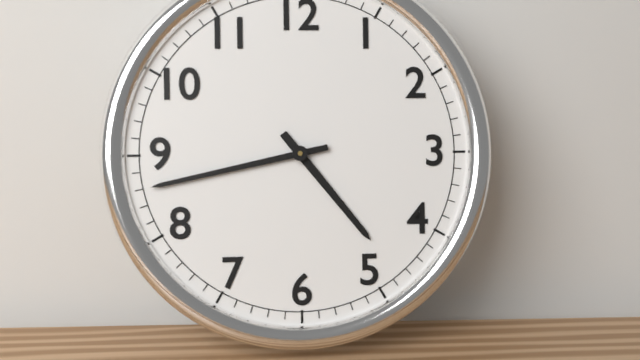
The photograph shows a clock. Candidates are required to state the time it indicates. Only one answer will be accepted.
4:43
